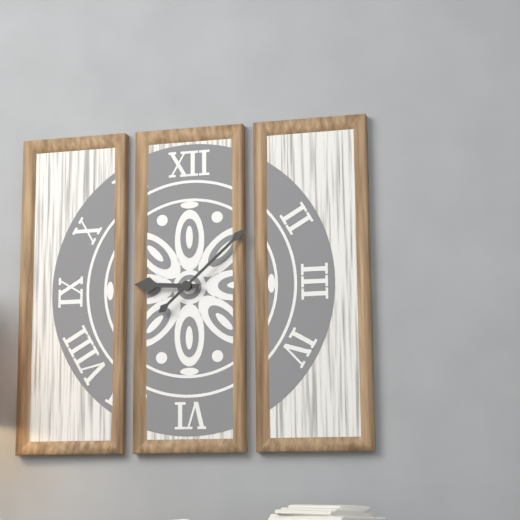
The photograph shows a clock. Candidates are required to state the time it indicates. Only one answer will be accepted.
9:08
